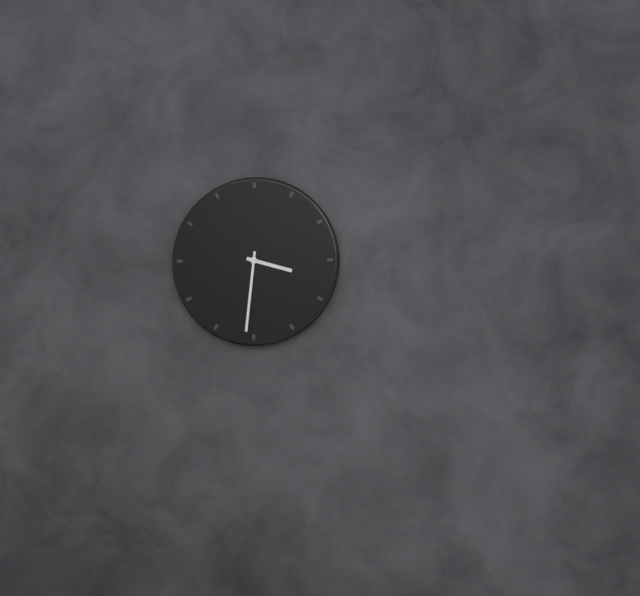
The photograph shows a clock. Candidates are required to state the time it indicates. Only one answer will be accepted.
3:31
